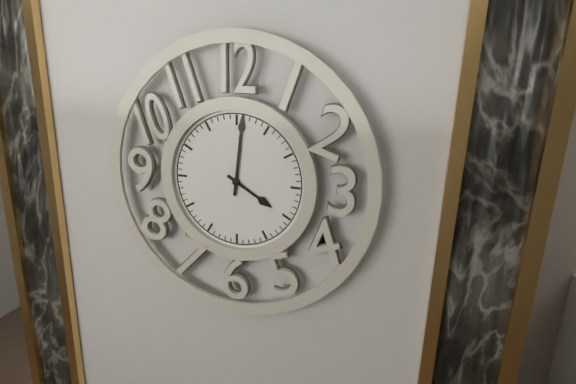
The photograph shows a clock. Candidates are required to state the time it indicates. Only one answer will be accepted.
4:01
